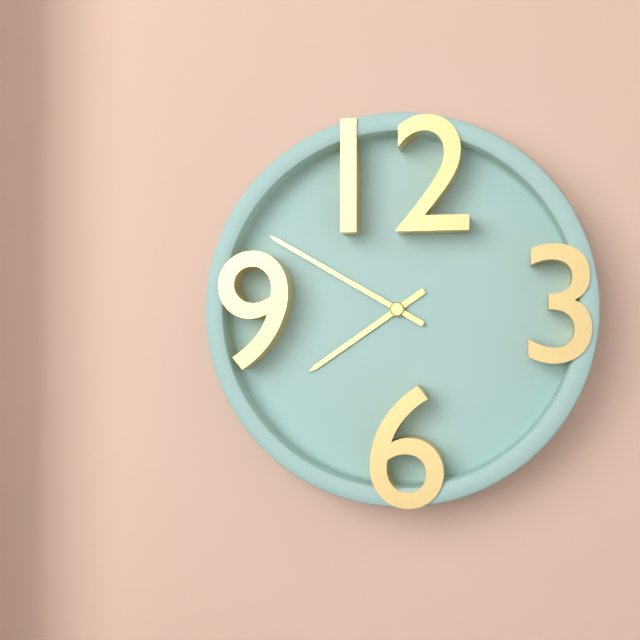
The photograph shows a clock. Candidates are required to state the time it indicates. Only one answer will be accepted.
7:50
